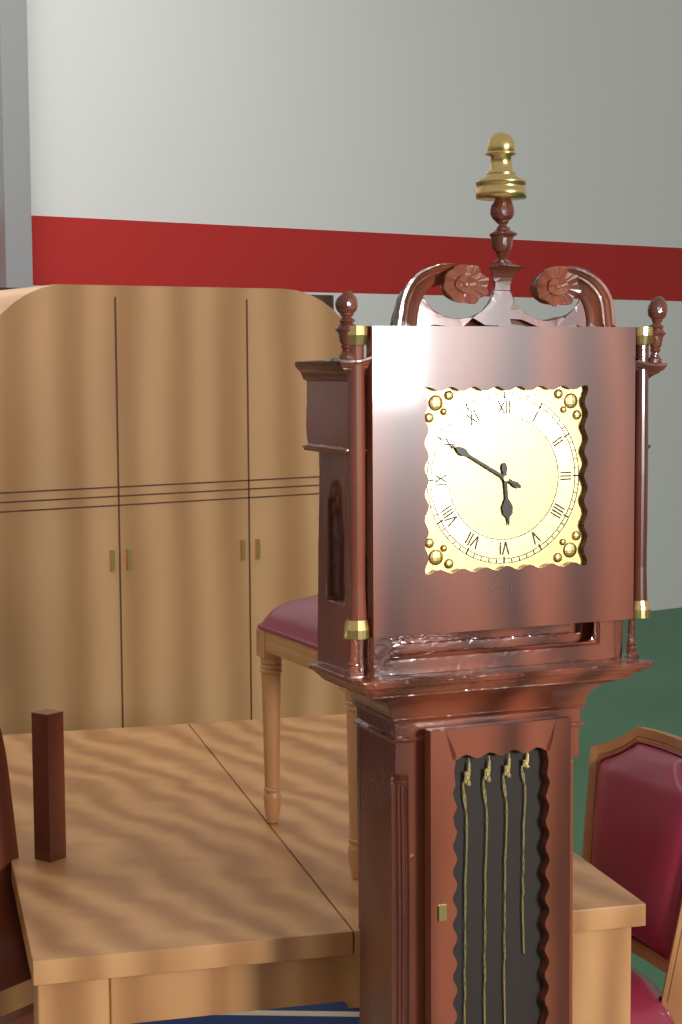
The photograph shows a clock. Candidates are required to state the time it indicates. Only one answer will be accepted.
5:50
